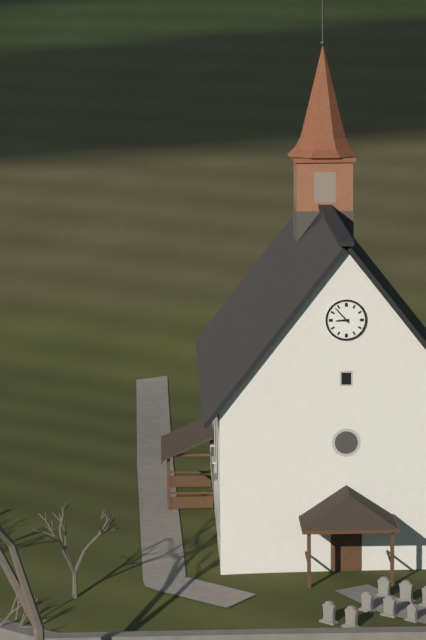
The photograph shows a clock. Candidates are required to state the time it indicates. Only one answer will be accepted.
8:53
